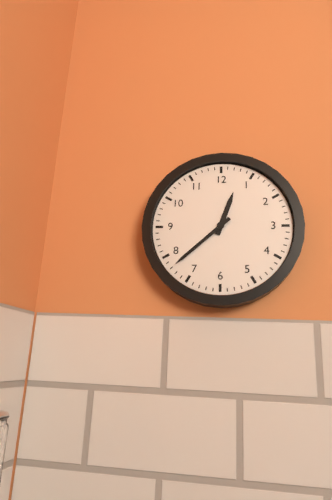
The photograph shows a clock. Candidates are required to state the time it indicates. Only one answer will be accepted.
12:38
